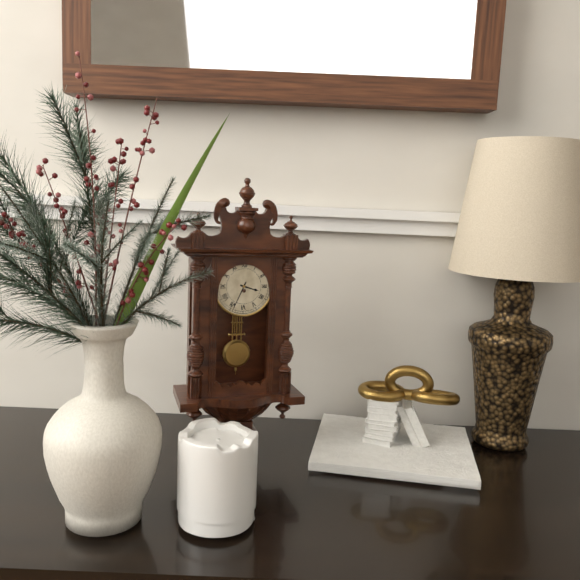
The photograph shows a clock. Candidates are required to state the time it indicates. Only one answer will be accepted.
3:34
